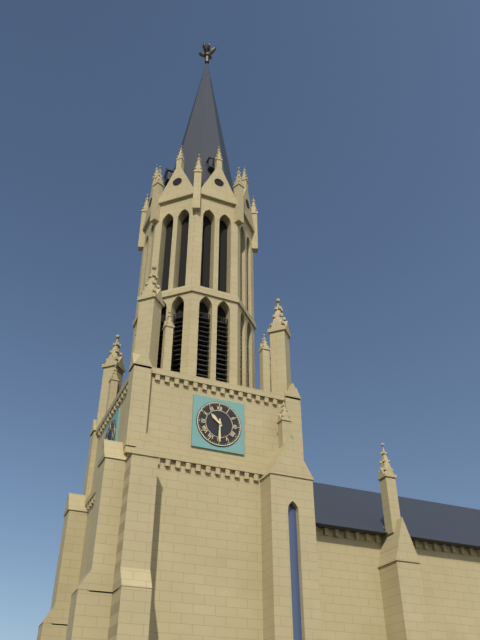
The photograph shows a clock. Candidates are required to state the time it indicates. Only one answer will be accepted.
10:30
